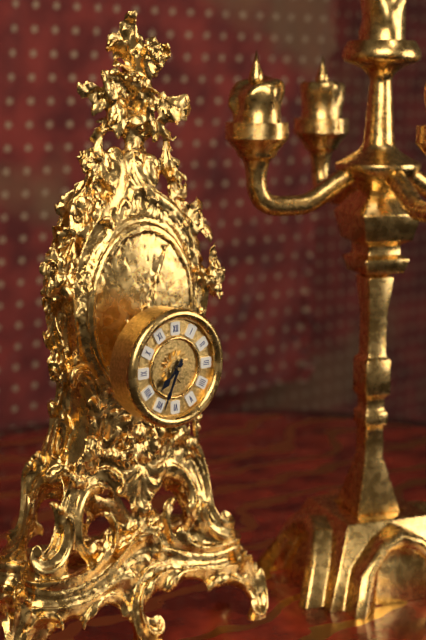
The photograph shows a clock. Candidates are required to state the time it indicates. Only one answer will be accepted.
7:34
